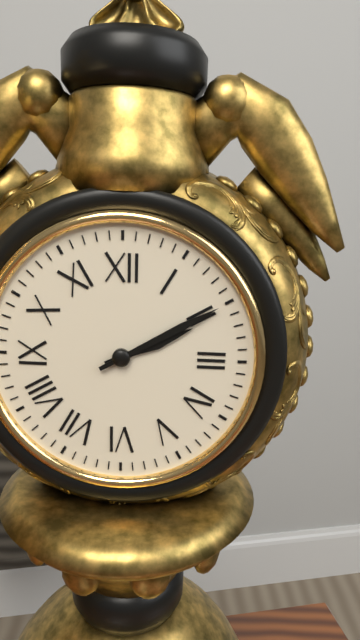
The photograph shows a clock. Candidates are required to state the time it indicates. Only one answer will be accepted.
2:10
